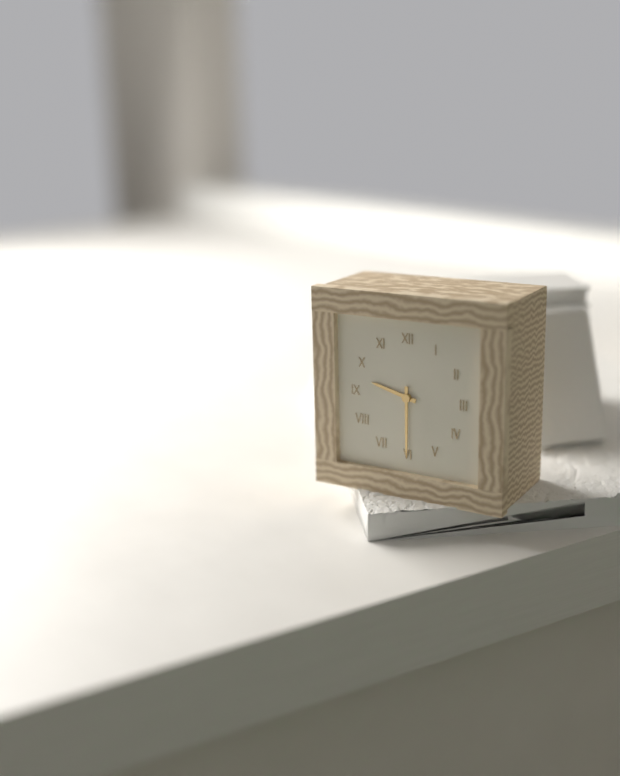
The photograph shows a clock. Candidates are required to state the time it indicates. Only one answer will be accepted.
9:30
